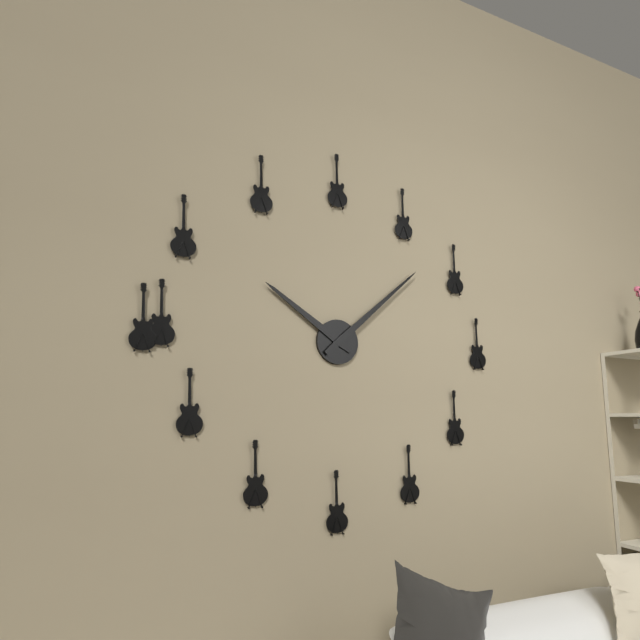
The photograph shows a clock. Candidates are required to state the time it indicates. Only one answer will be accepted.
10:08
